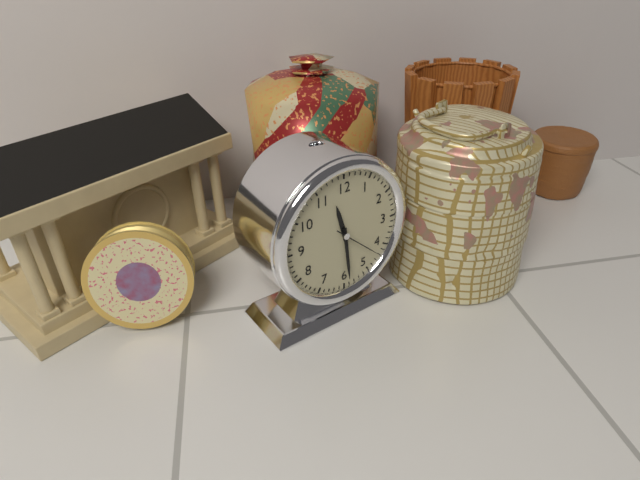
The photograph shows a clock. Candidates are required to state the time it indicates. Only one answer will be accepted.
11:29
